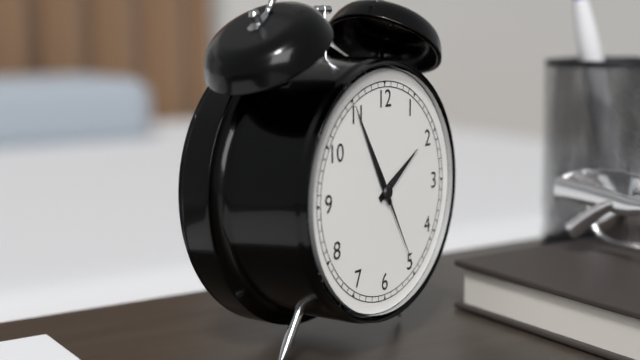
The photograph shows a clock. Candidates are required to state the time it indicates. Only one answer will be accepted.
1:55:25
